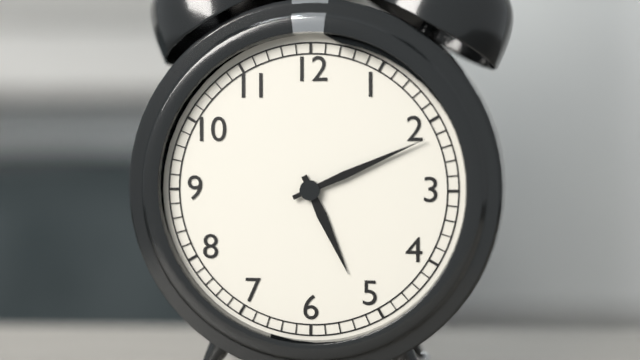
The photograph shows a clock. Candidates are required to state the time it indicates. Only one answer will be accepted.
5:11
